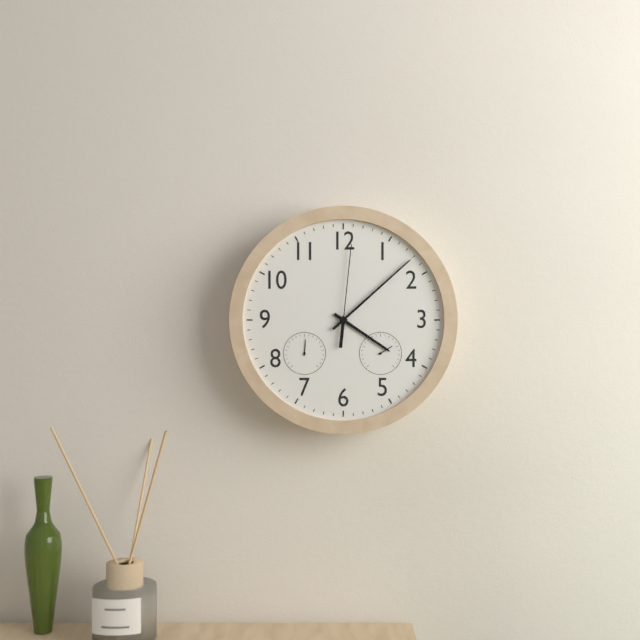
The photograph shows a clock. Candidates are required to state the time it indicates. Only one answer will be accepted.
4:08:01
